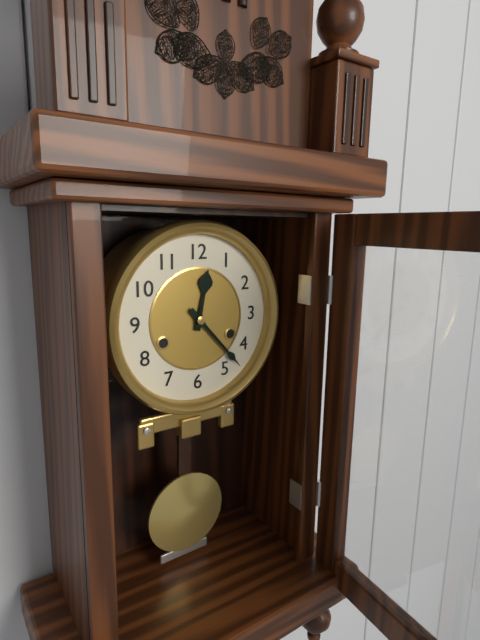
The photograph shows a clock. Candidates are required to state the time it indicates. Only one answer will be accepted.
12:23
